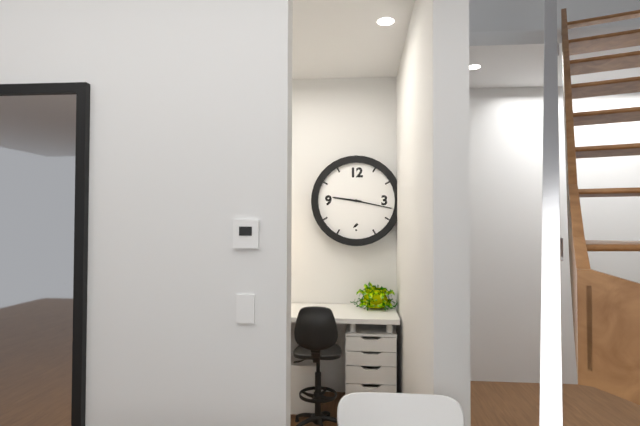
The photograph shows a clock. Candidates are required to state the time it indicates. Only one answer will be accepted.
9:17
